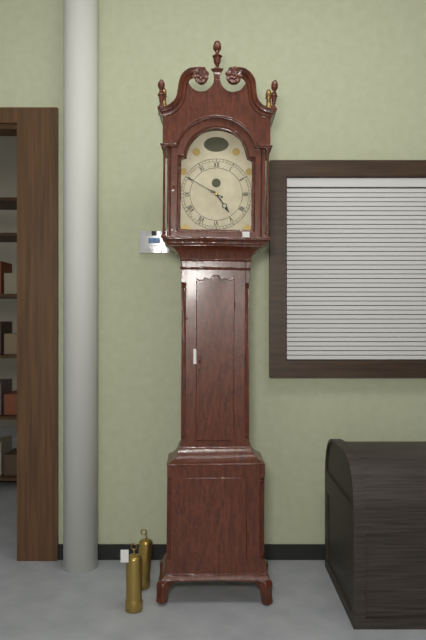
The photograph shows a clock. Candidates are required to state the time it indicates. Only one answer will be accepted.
4:50
